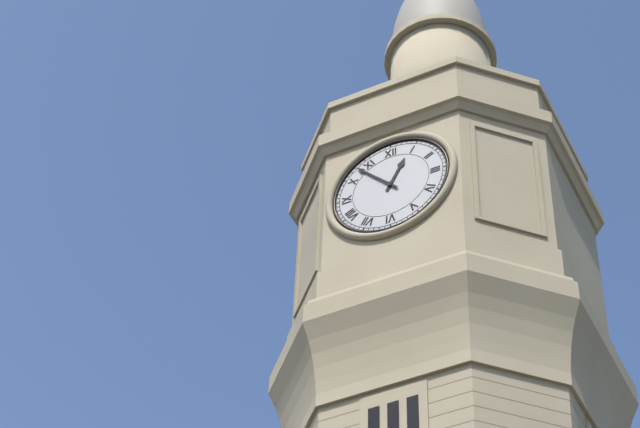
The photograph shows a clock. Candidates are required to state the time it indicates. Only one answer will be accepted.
12:53
